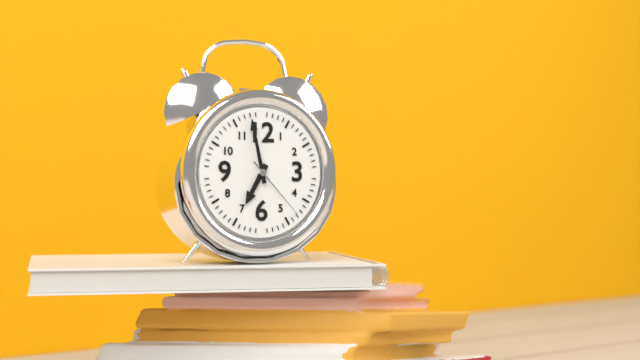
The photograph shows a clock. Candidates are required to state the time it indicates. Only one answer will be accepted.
6:58:23
